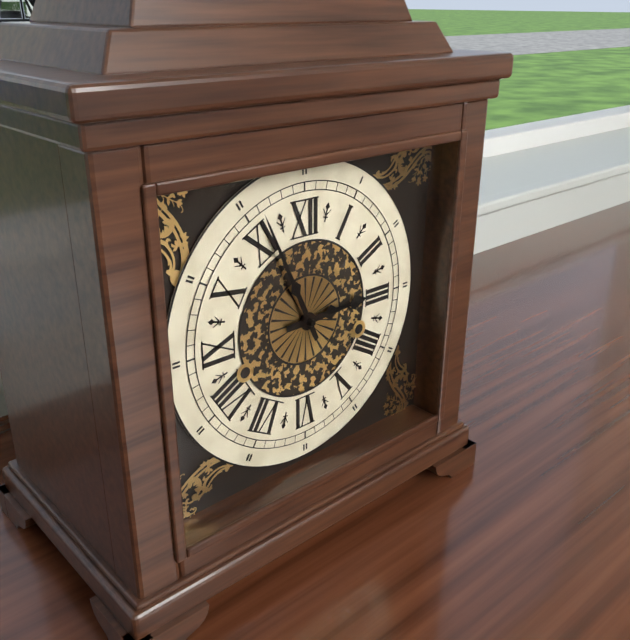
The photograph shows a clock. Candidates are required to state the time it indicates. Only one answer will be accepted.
2:56
